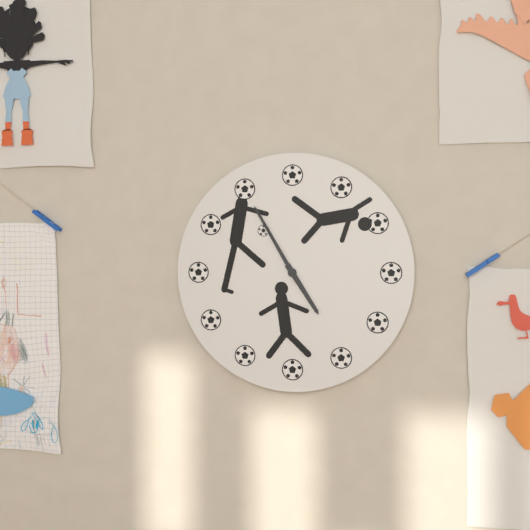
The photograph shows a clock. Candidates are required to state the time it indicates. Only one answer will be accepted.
4:55
